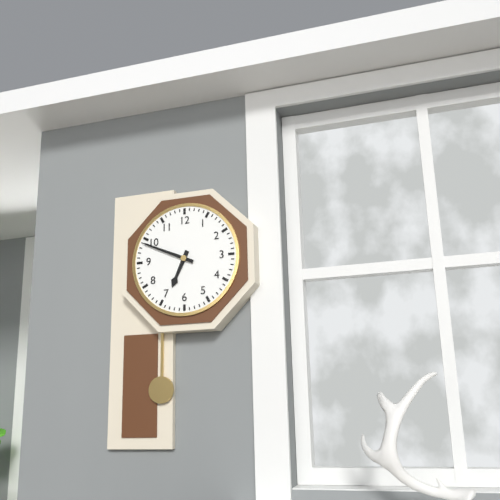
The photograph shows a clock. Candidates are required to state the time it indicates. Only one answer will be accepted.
6:49
